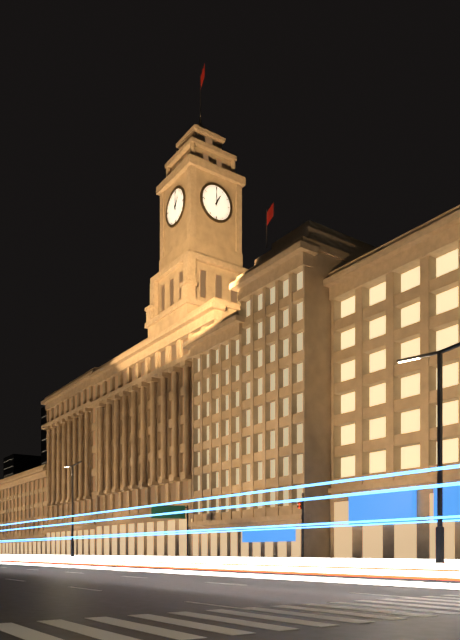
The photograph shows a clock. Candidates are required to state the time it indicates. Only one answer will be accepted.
1:00
